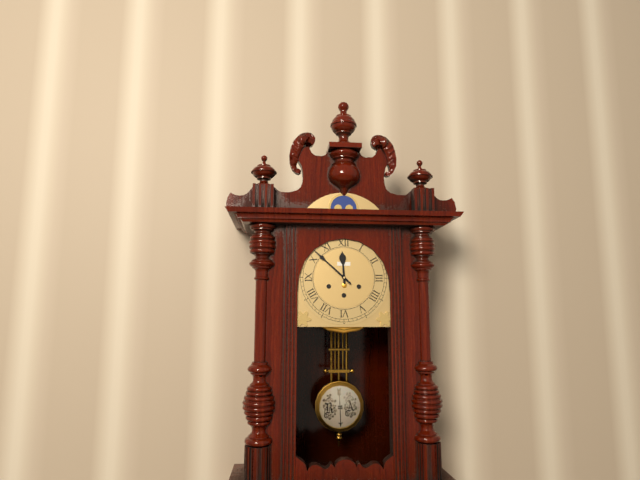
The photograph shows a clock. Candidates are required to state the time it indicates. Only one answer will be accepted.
11:52
